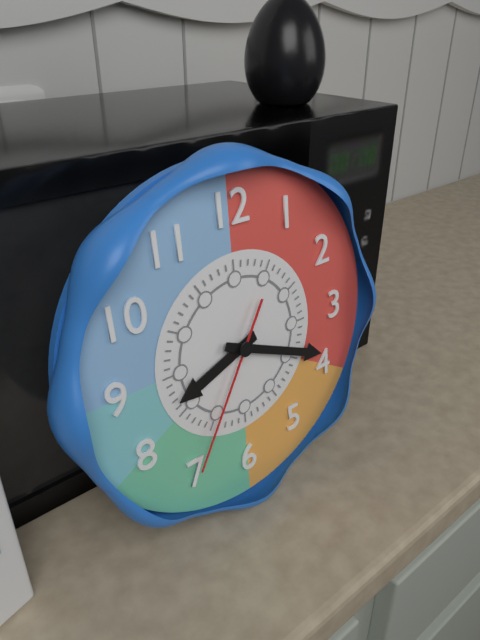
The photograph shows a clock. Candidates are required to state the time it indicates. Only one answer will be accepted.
8:19:35
